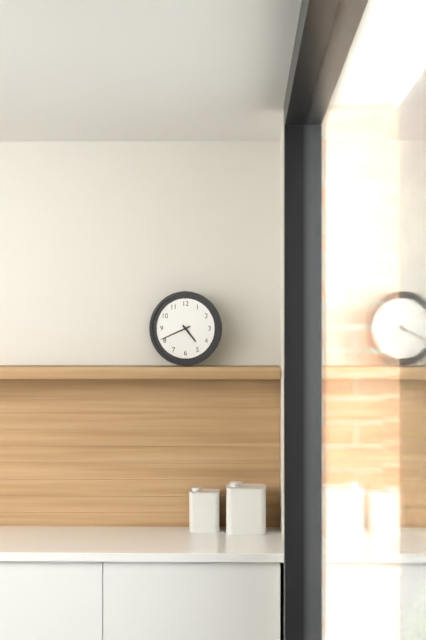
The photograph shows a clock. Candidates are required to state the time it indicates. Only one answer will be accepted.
4:41
